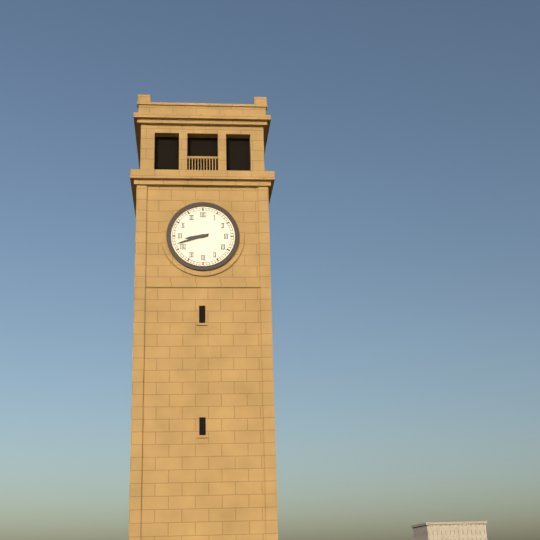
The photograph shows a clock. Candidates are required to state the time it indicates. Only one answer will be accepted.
8:42
